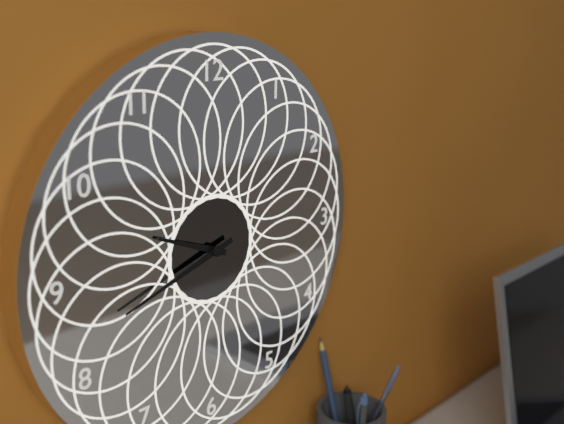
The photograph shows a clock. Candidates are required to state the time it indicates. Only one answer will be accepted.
9:42
